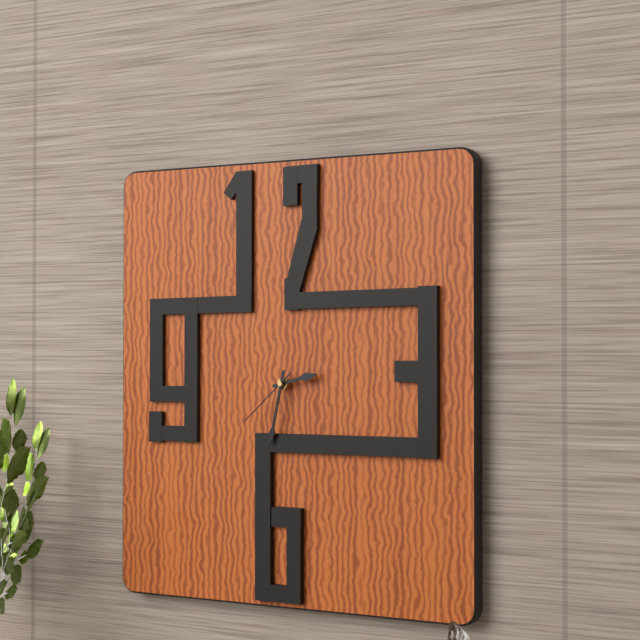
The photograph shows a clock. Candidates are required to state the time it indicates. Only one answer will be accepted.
2:32:38
